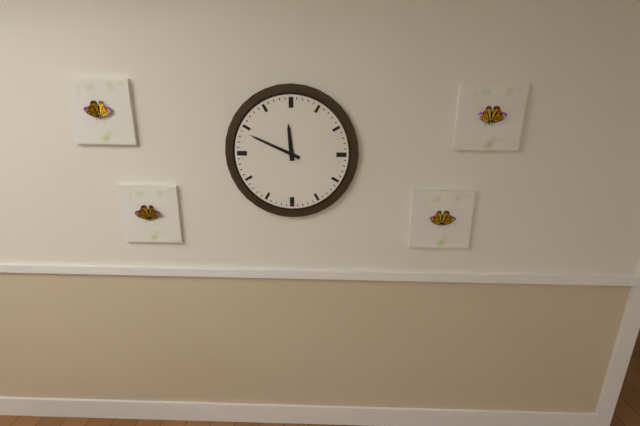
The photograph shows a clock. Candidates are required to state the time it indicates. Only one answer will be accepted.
11:49
